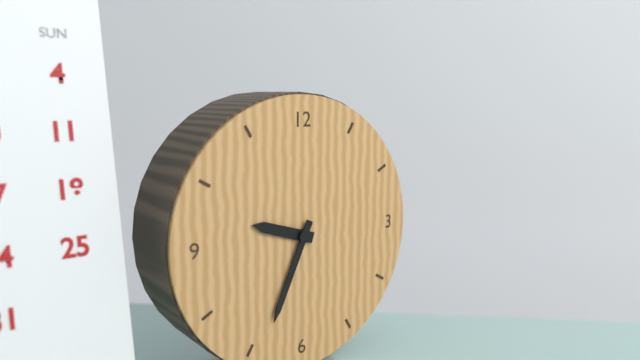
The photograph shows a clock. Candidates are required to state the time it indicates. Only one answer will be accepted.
9:34
